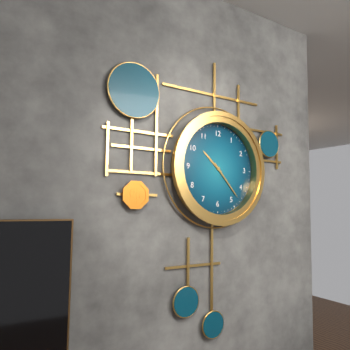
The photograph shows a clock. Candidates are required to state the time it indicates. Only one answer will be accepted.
10:23
